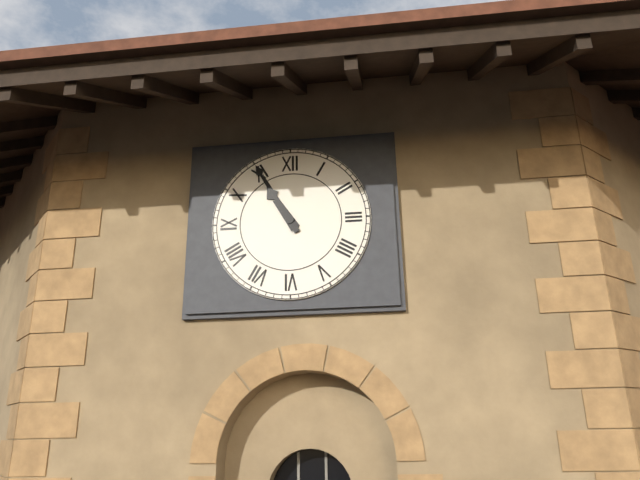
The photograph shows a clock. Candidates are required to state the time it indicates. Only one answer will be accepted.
10:55
